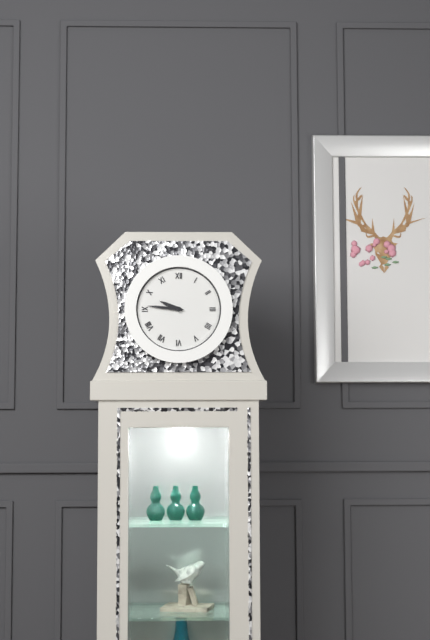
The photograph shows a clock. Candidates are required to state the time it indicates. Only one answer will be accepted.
9:46
